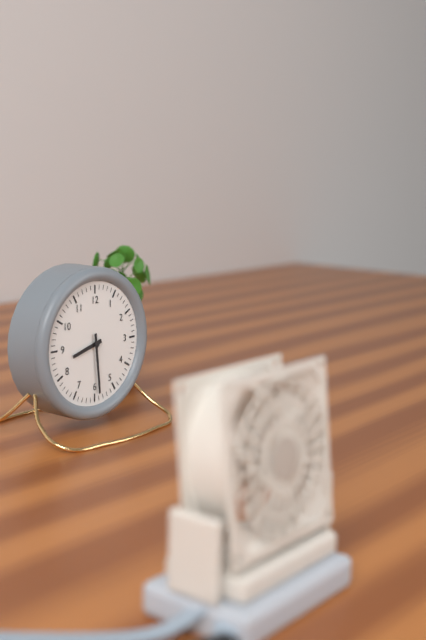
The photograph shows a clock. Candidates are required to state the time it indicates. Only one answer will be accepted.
8:29
